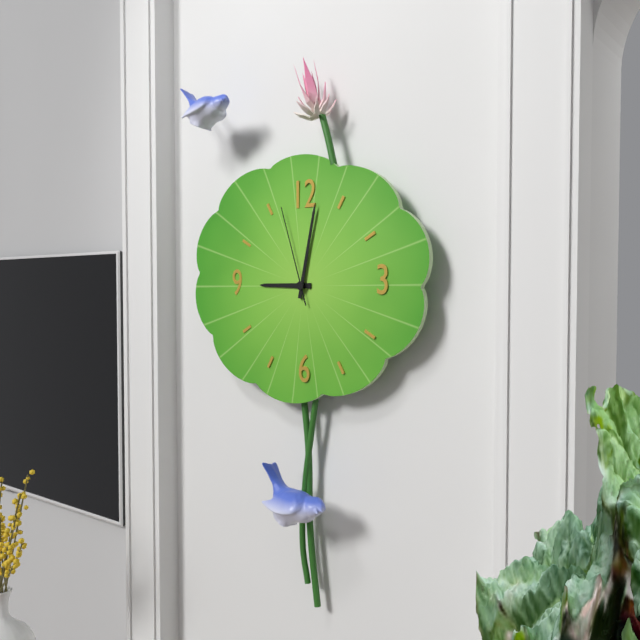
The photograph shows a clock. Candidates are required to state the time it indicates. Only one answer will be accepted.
9:02:57
